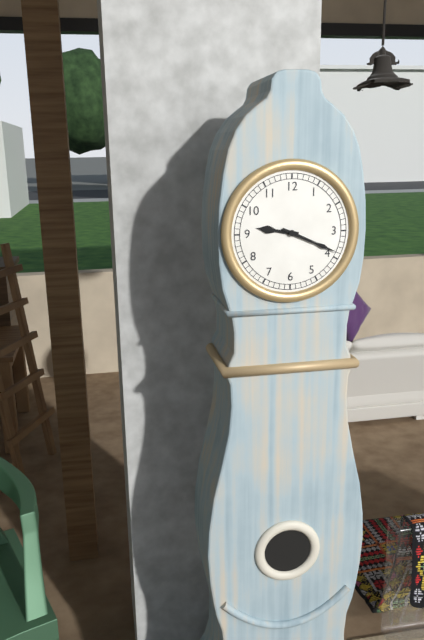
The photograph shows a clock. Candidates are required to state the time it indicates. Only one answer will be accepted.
9:19
